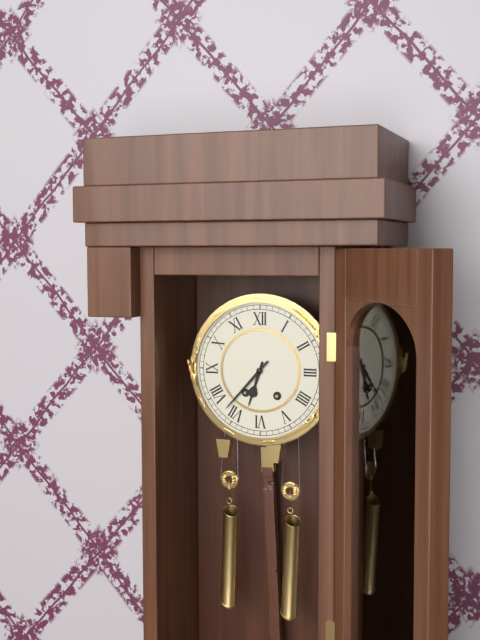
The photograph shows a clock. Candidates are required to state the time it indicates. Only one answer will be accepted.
6:37
